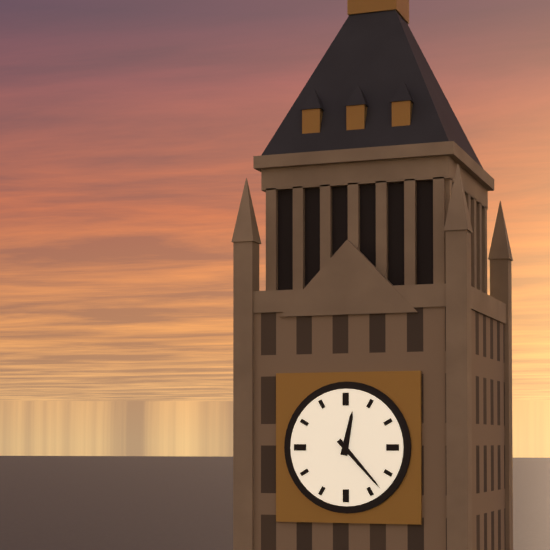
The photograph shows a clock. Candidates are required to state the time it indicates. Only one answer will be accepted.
12:23
